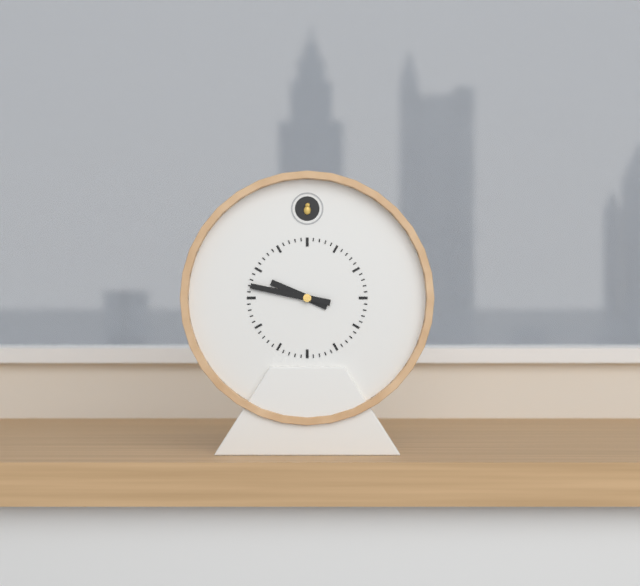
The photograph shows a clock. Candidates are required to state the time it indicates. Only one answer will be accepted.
9:47
